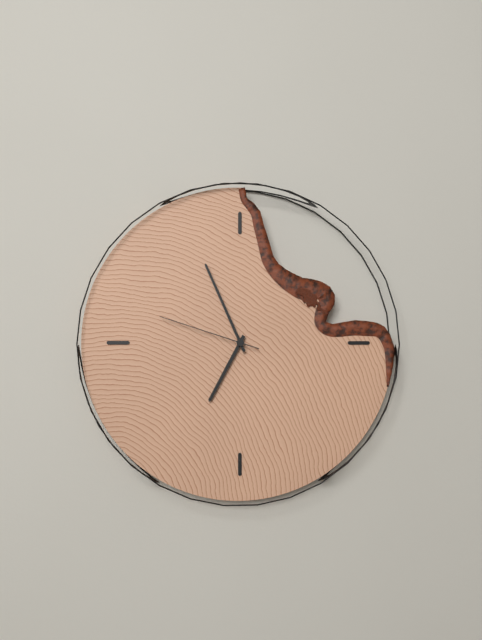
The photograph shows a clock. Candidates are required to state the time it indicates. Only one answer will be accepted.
6:56:48
